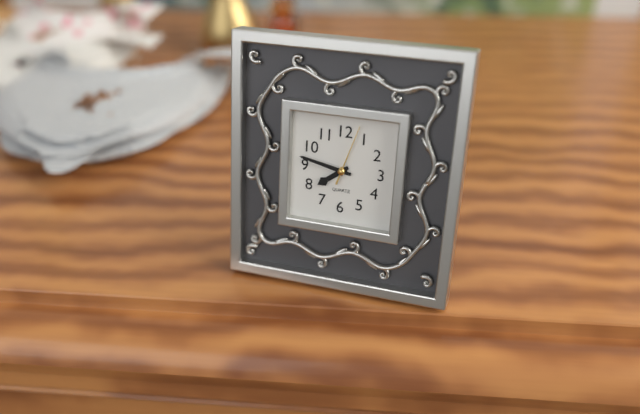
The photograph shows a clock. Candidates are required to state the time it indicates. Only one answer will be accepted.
7:47:03
